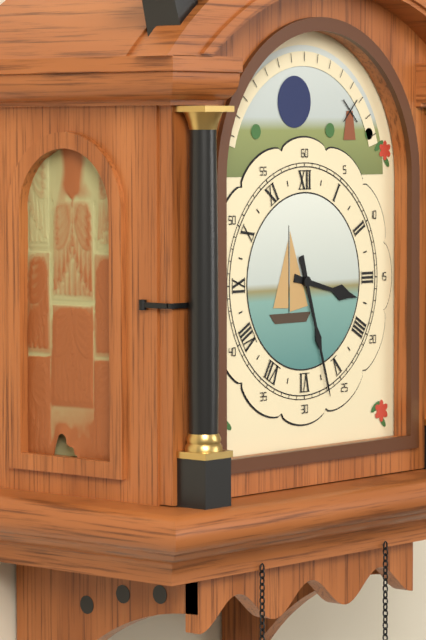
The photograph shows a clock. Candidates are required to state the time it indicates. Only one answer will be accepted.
3:27
